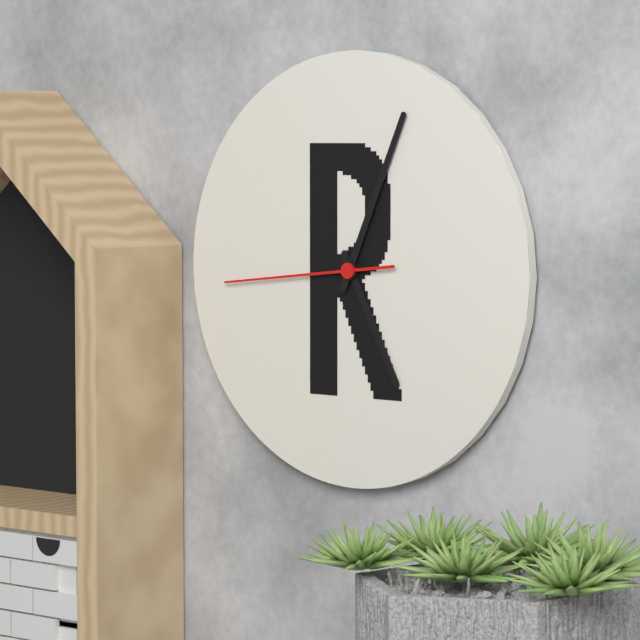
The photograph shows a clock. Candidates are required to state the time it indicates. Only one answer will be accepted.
5:04:44
